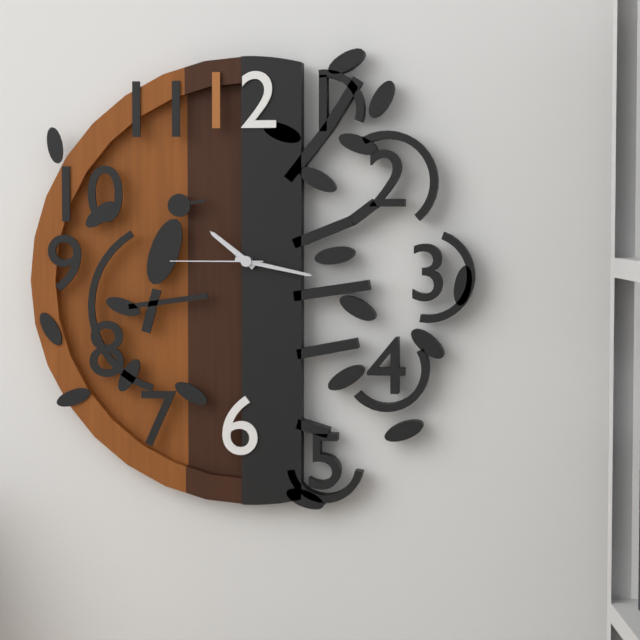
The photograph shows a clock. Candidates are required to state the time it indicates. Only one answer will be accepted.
10:17:45
